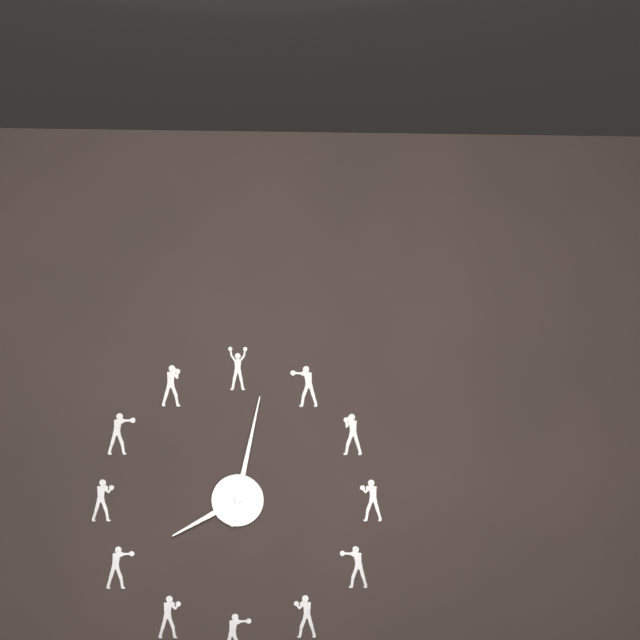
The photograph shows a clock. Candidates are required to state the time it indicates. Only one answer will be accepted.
8:02
